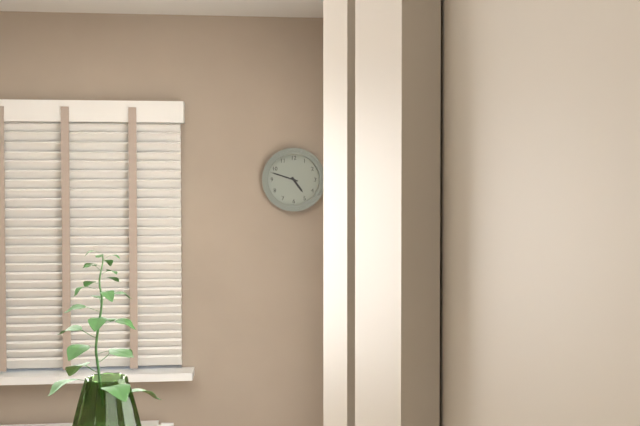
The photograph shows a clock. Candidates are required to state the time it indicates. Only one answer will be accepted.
4:48
